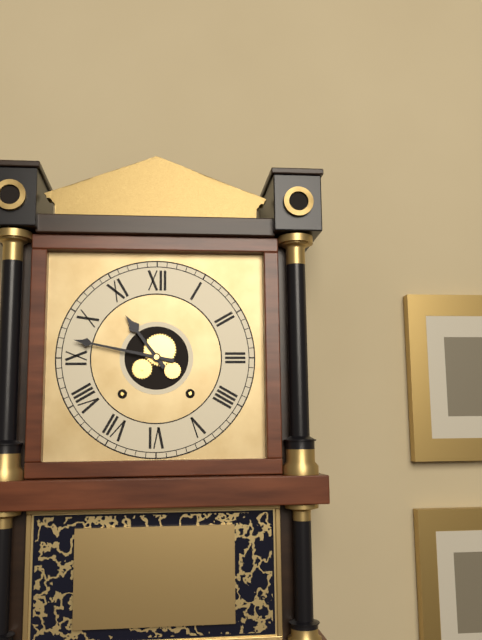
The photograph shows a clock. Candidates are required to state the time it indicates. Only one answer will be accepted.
10:47
